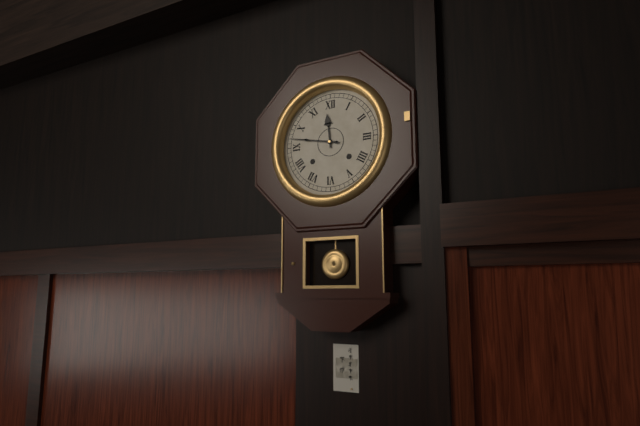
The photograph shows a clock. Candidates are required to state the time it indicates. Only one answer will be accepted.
11:47
